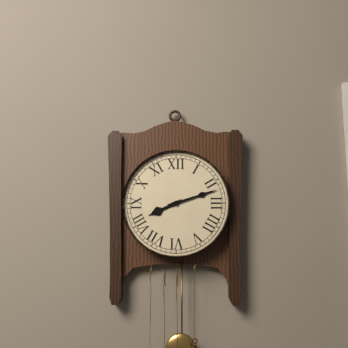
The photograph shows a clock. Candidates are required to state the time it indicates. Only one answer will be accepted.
8:12
